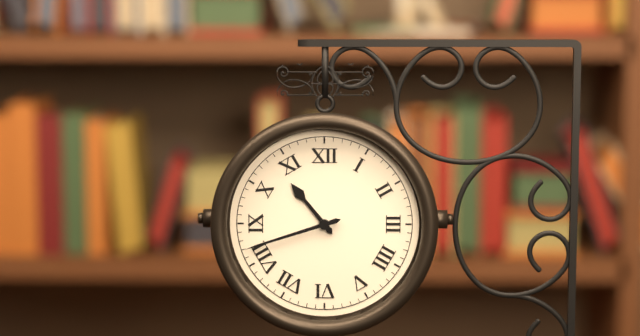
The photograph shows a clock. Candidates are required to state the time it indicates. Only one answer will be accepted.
10:42
